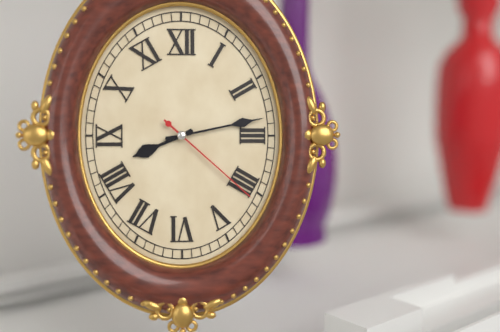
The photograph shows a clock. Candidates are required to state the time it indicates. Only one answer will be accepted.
8:13:22
